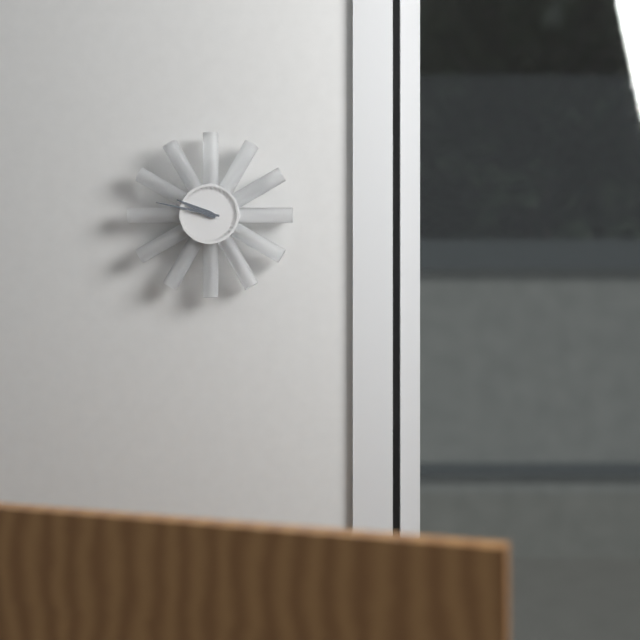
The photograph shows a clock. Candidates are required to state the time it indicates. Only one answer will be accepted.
9:47
